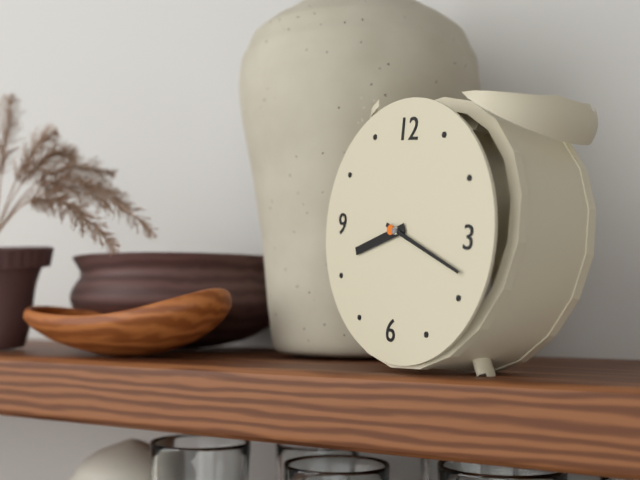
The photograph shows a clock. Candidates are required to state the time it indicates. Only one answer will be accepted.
8:18
